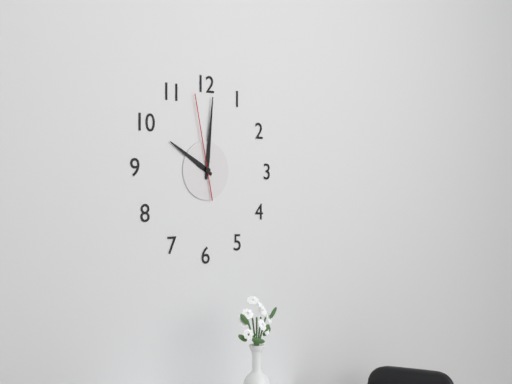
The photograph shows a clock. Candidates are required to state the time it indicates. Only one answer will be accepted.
10:01:58
